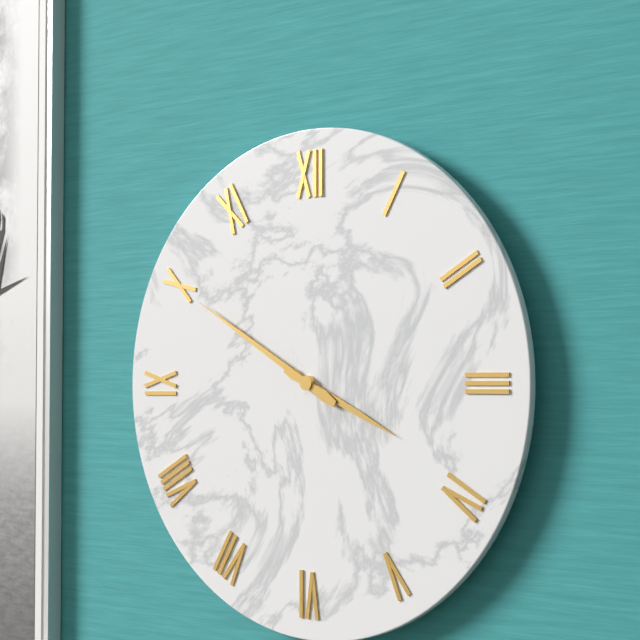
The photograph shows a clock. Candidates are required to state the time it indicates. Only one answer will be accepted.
3:50
